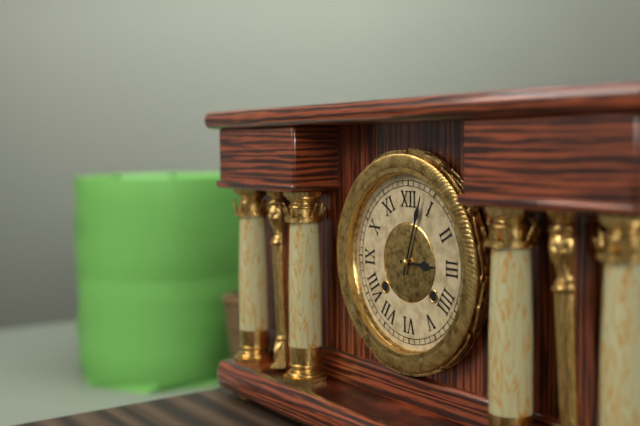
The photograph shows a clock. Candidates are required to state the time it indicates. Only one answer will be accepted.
3:03
